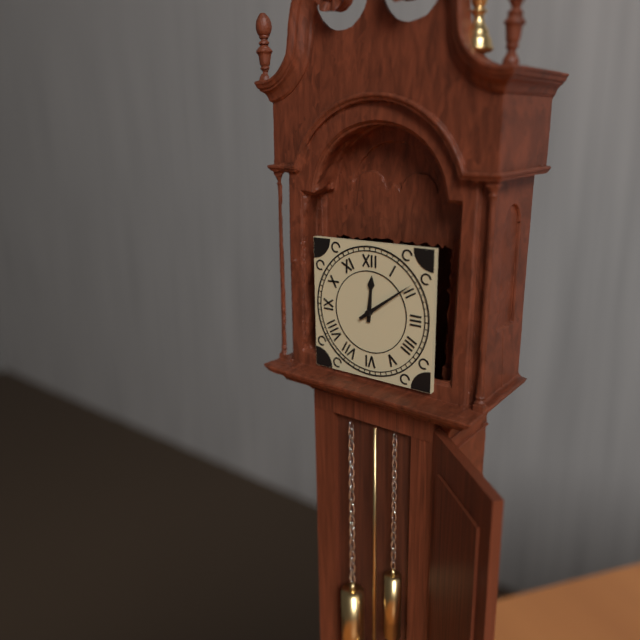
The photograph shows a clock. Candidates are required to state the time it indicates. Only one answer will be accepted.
12:09
